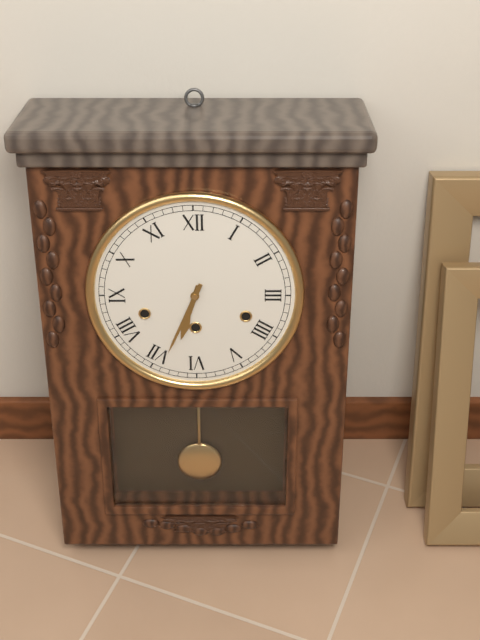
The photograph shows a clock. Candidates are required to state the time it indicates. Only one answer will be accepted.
6:34
